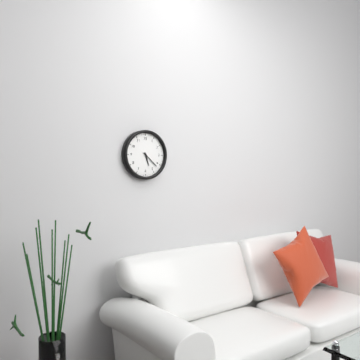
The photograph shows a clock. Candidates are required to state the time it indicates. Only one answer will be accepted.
5:22
